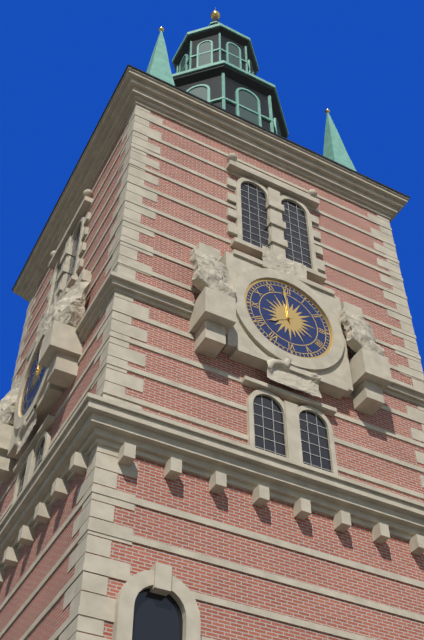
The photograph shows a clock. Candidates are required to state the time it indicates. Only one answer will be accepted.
7:59
